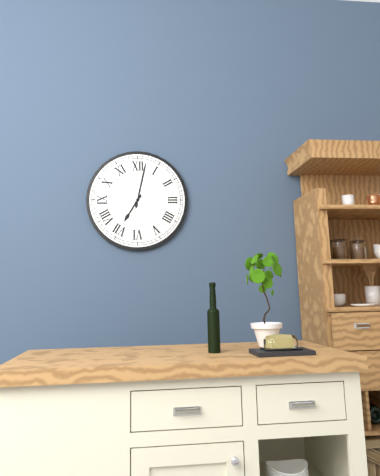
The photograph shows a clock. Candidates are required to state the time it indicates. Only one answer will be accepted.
7:02
